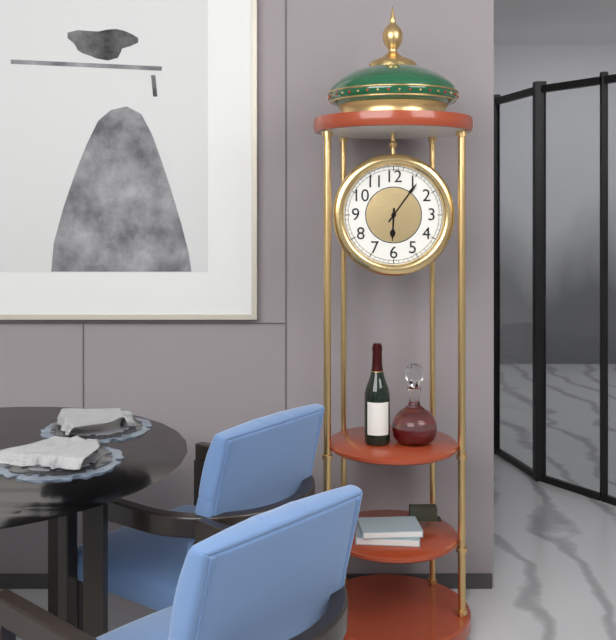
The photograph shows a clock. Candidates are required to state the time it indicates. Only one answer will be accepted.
6:06
